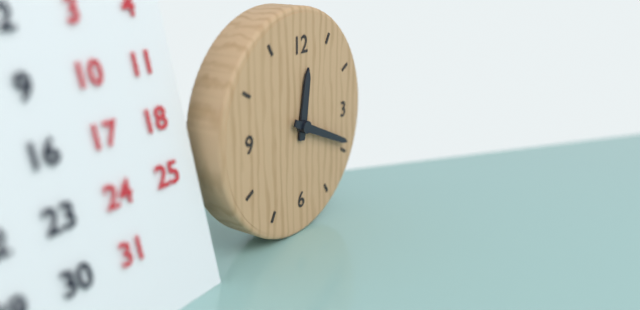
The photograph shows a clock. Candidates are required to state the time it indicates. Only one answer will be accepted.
12:19
